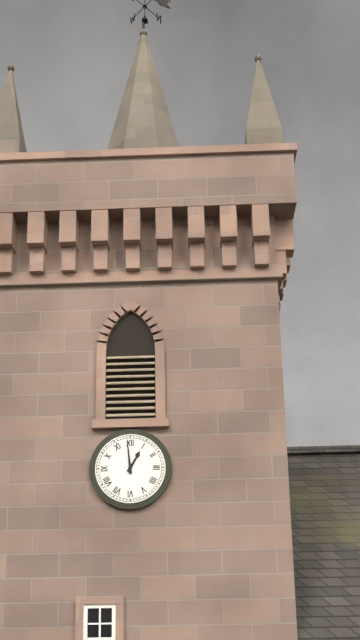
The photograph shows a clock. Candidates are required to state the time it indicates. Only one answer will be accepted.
12:59
